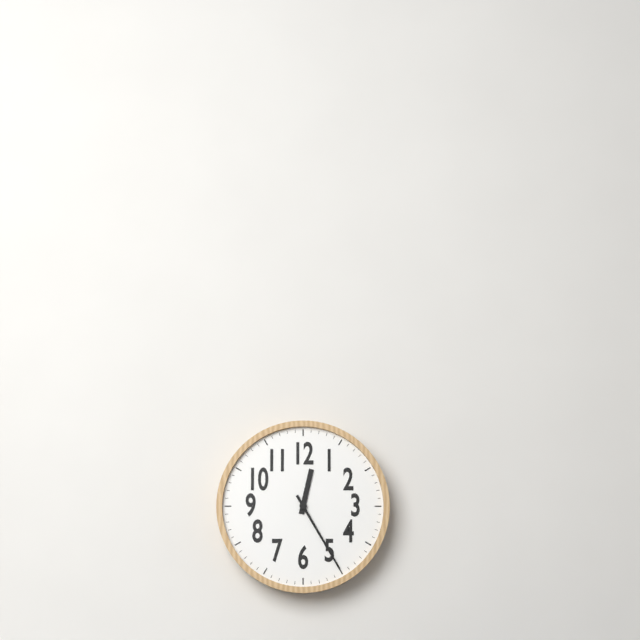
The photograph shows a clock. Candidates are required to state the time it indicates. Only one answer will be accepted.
12:25
